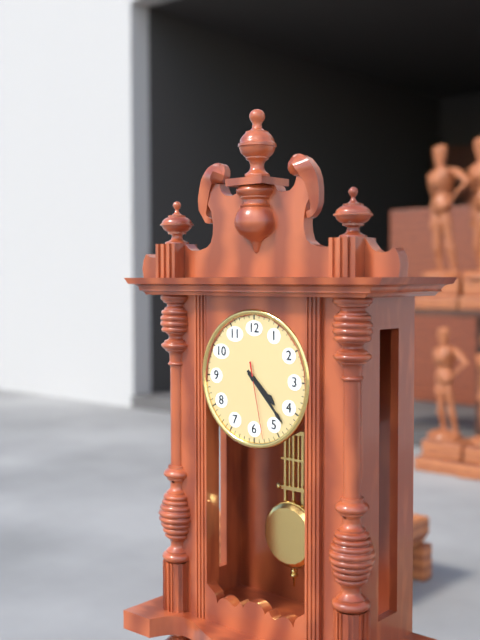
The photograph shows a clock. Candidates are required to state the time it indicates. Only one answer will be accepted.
4:23:28
